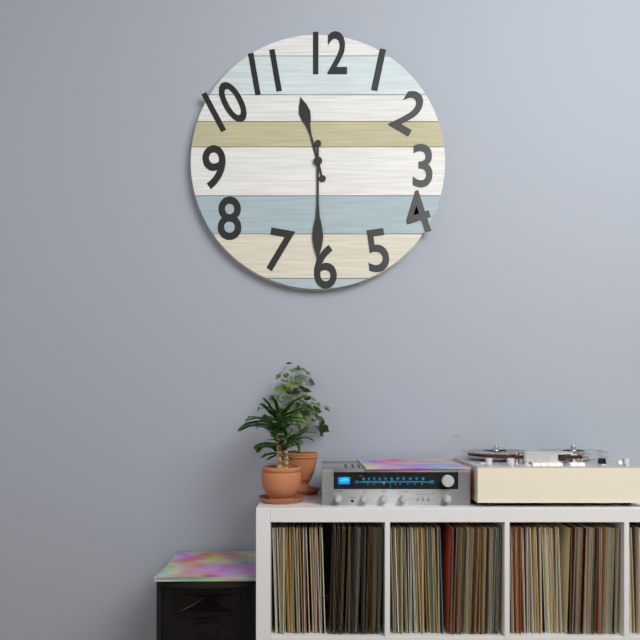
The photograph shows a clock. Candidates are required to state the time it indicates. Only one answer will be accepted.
11:30
